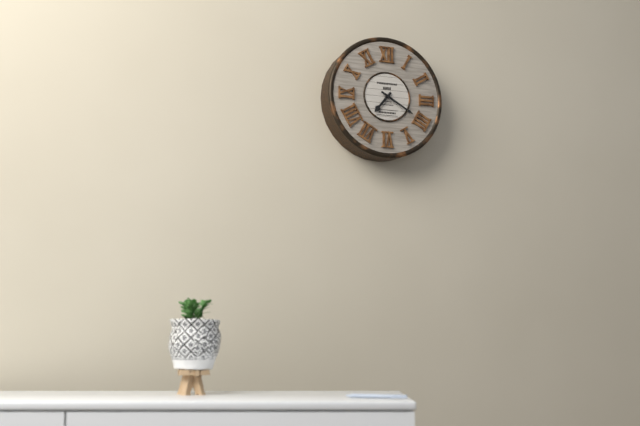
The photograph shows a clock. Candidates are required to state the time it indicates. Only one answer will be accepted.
7:20
